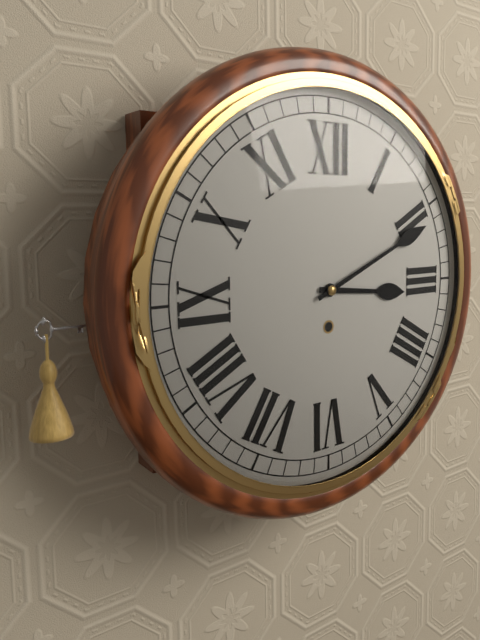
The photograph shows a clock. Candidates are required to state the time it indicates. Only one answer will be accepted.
3:11
